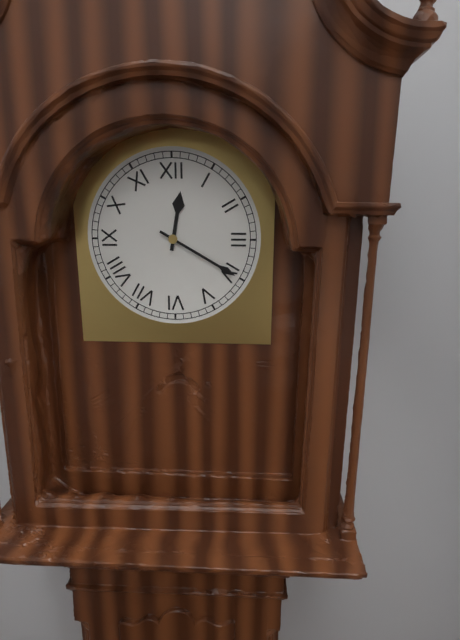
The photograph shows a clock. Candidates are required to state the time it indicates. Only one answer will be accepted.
12:20
